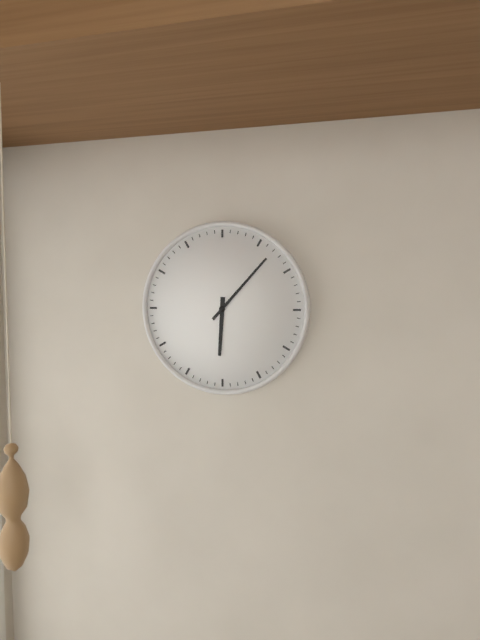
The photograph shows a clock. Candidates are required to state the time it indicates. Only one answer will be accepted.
6:07
